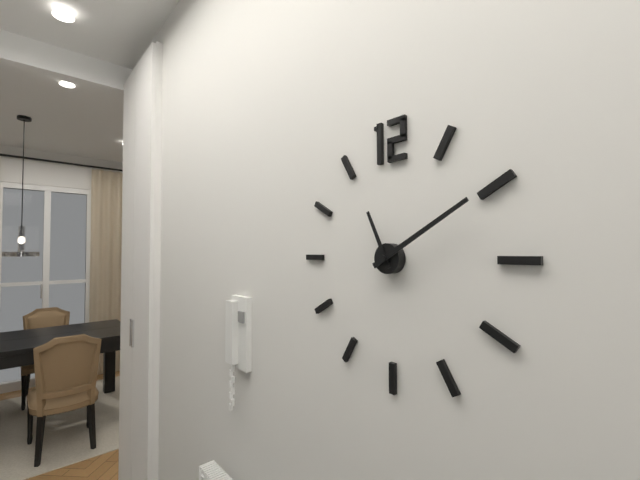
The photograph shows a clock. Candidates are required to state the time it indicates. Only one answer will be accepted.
11:10
